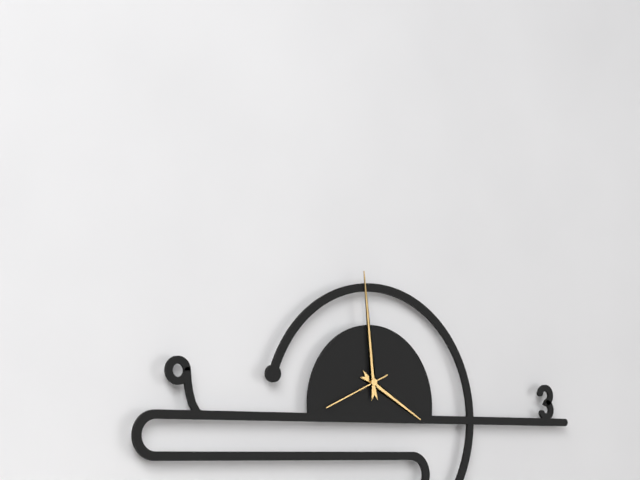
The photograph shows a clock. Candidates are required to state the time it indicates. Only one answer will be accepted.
3:59:41
